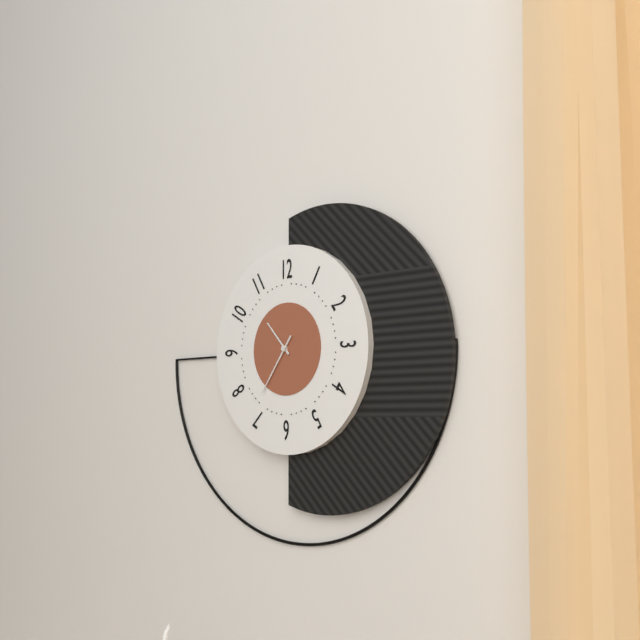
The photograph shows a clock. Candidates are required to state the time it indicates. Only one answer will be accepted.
10:36
